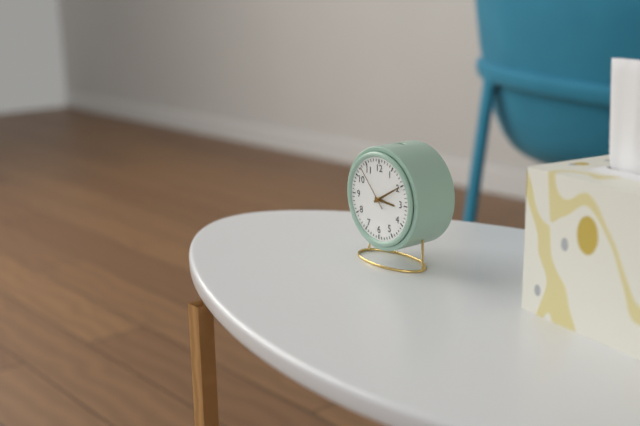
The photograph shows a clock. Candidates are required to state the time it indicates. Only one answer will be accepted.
3:10
